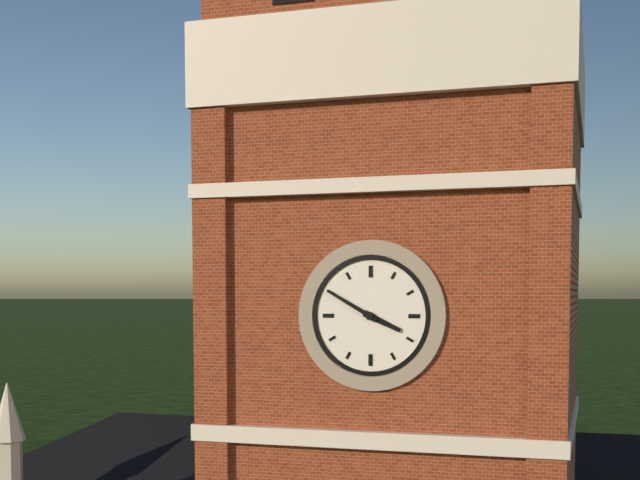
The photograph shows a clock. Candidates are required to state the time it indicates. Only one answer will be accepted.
3:50
